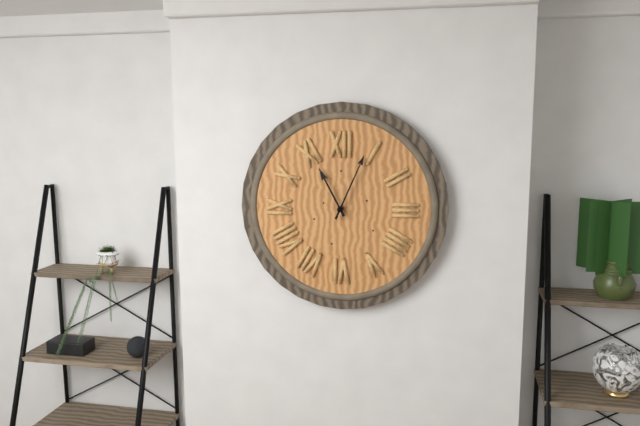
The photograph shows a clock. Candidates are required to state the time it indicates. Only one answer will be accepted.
11:04
